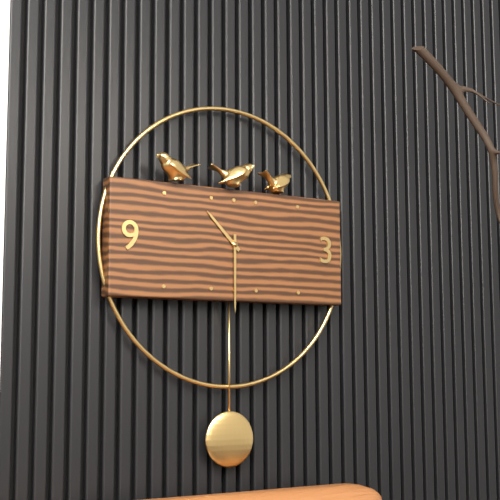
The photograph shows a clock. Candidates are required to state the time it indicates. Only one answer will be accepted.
10:30
